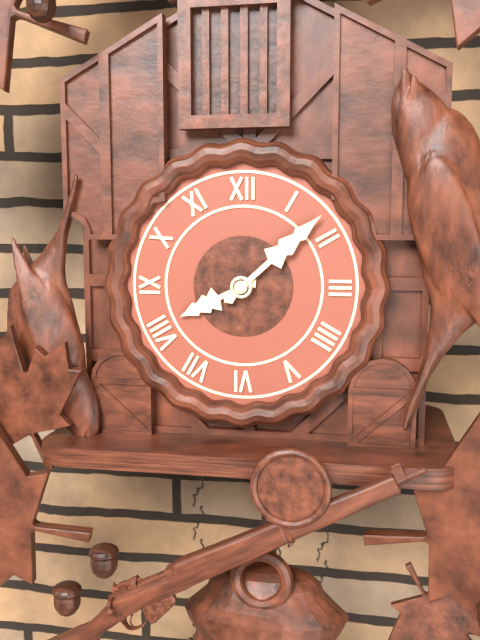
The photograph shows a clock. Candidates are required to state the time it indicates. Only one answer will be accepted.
8:08
